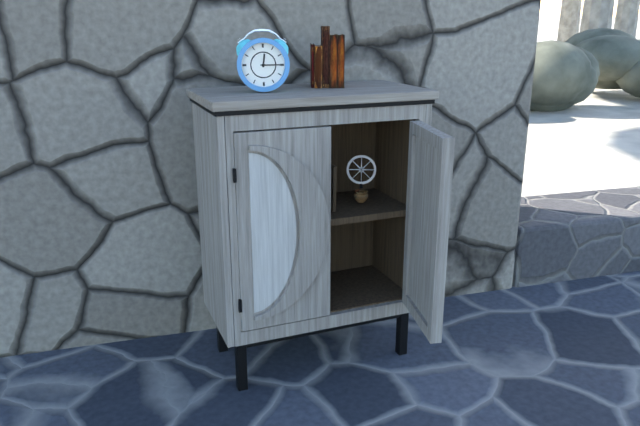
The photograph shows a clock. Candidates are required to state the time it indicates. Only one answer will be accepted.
12:15
